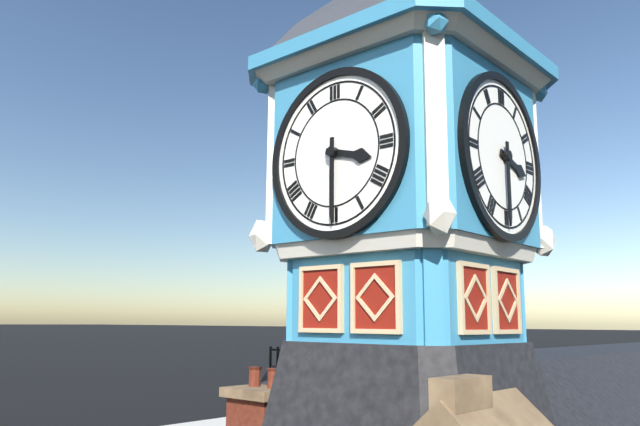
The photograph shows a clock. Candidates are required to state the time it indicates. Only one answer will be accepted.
3:30
